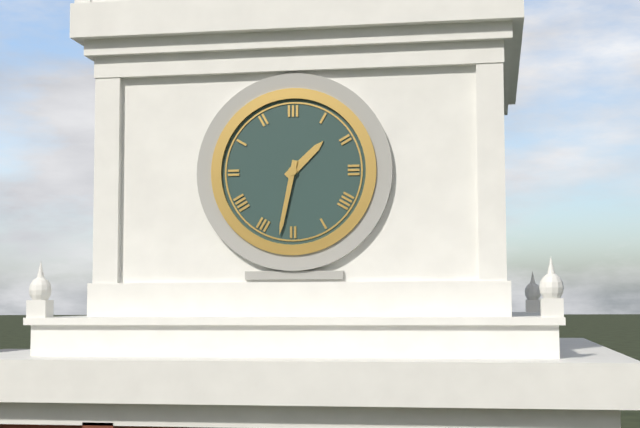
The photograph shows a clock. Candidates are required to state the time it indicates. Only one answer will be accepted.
1:32
